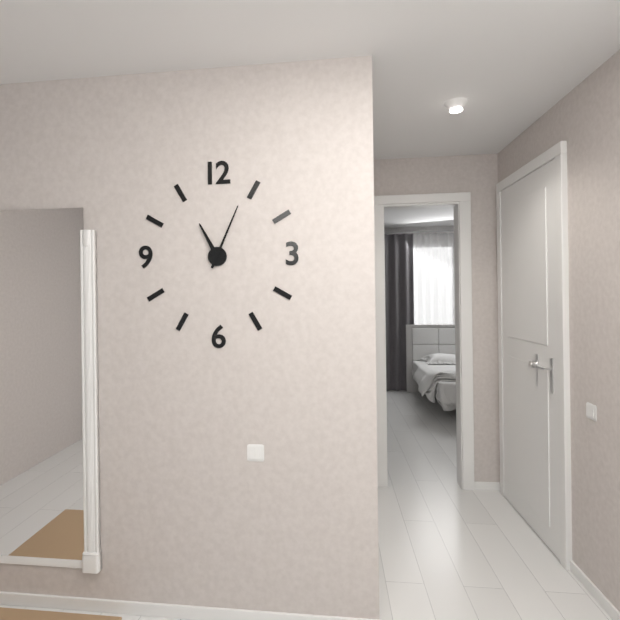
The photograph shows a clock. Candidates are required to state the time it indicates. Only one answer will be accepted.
11:04
